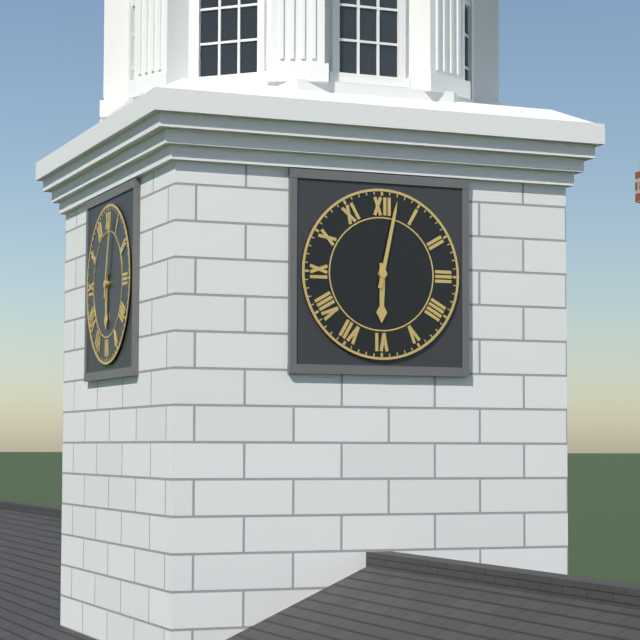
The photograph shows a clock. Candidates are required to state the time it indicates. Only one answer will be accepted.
6:02
